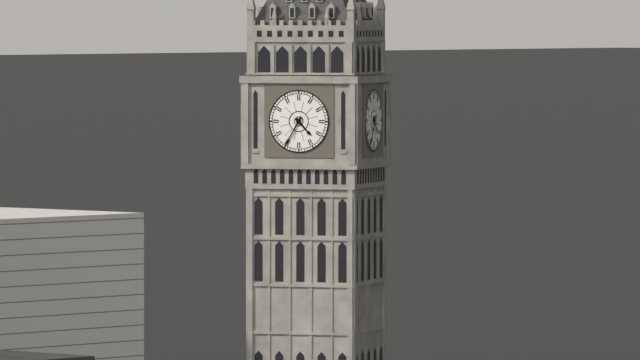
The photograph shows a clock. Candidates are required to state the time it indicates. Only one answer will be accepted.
4:35
